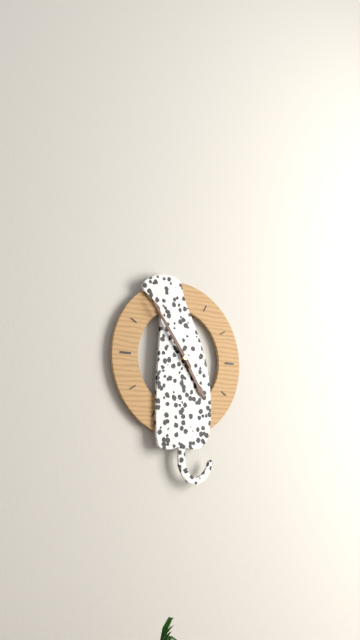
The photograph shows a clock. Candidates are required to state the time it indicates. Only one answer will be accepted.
4:54
